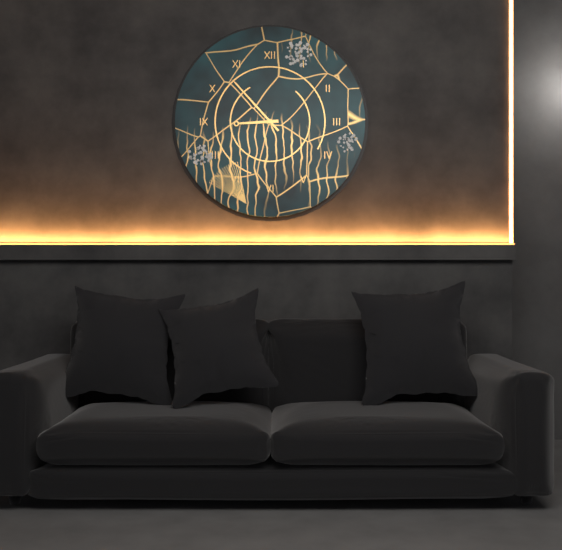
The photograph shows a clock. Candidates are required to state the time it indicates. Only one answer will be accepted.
8:53
